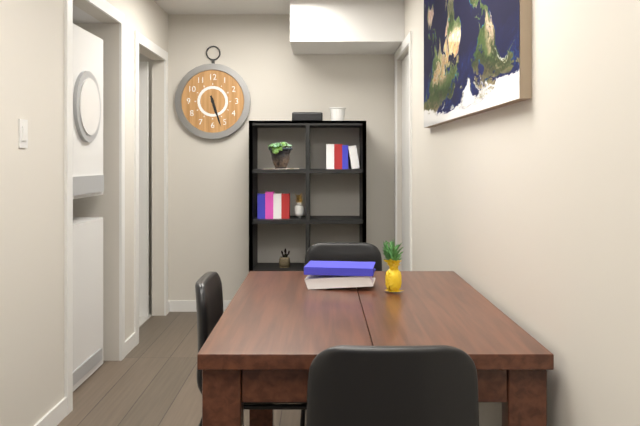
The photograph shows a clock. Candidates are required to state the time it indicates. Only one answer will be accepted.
5:27
